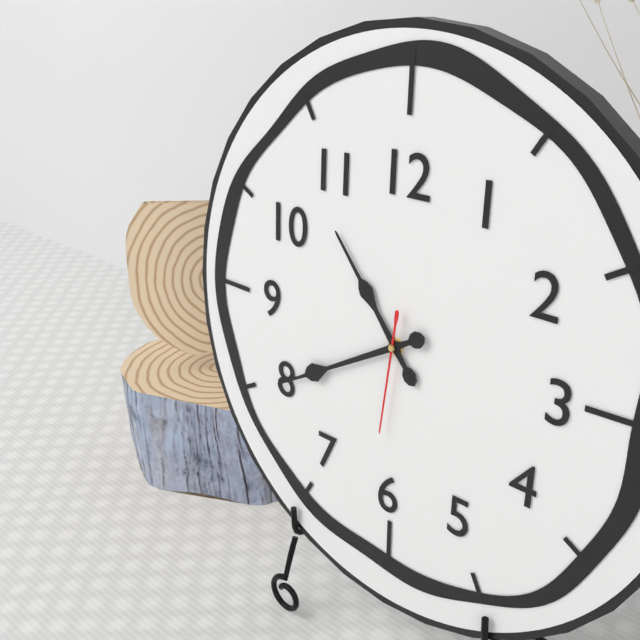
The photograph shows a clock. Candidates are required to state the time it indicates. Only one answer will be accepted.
10:40:31
